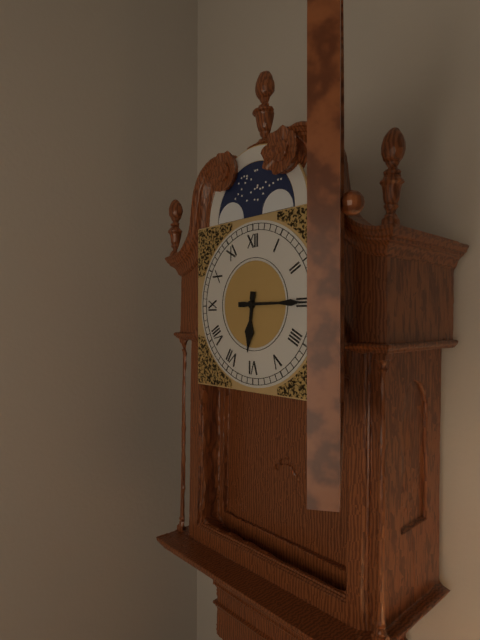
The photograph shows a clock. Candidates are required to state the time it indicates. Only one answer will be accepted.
6:15
